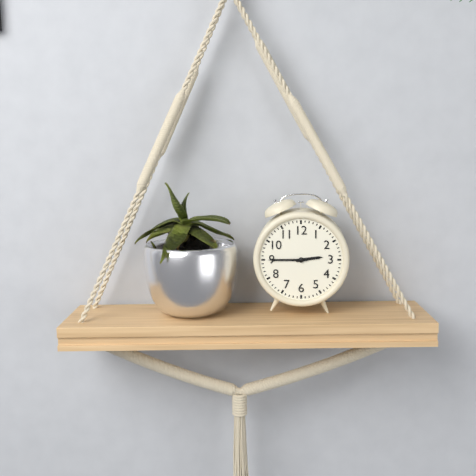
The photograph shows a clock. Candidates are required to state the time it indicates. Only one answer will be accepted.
2:45
